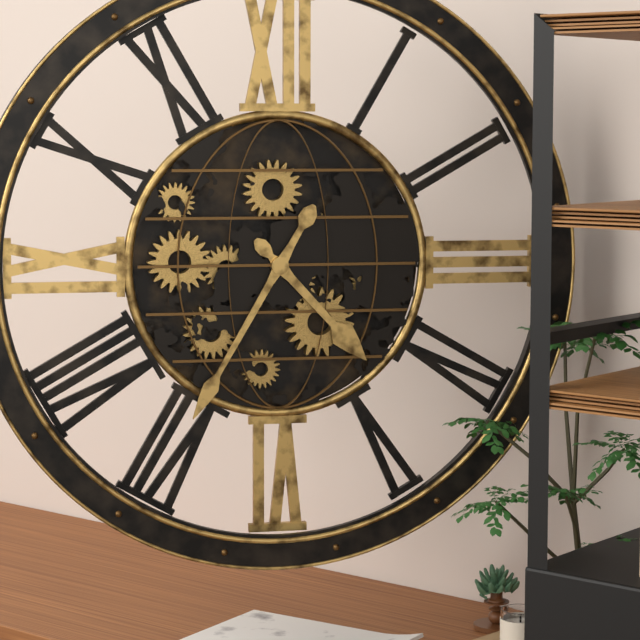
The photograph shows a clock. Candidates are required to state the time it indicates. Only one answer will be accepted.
4:35
